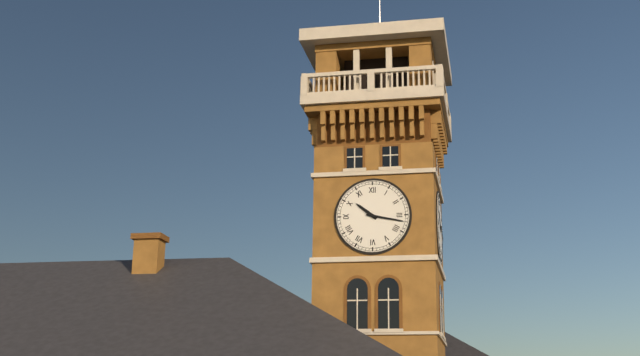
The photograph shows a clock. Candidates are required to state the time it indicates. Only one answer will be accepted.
10:17
